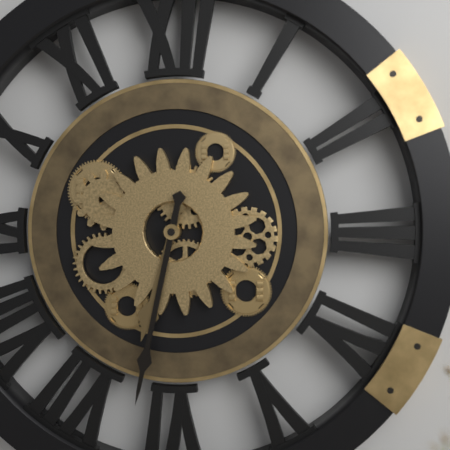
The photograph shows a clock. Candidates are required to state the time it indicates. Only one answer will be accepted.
6:32
